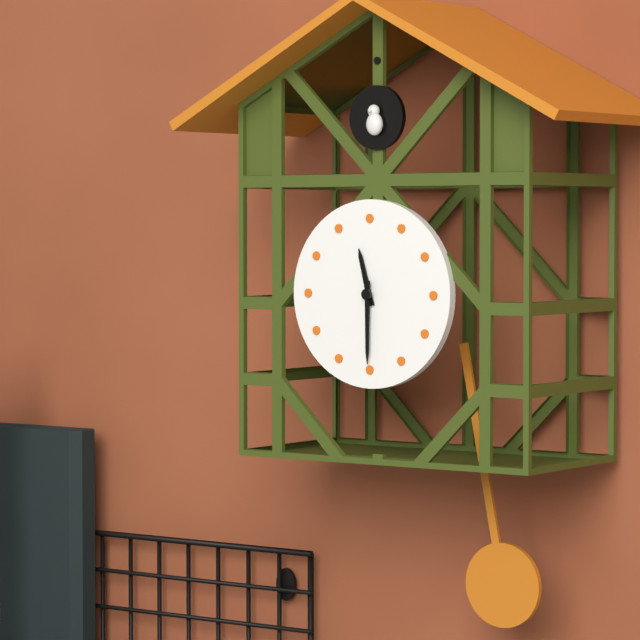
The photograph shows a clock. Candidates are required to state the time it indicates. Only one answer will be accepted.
11:30
